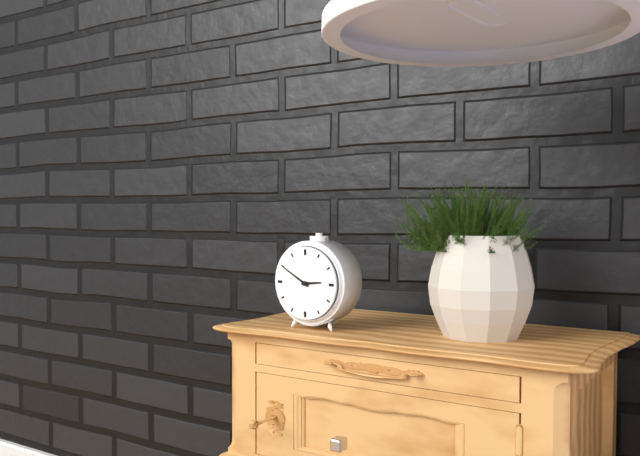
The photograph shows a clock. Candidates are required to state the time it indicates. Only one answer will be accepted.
2:50
